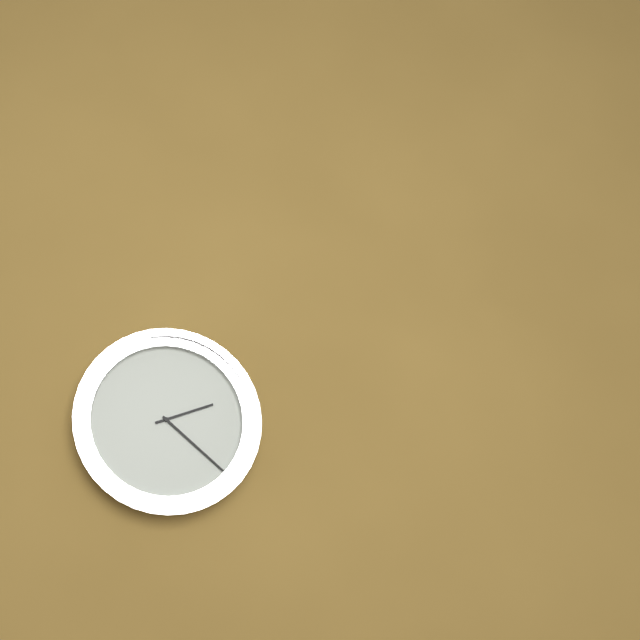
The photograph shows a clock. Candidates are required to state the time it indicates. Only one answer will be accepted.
2:22
